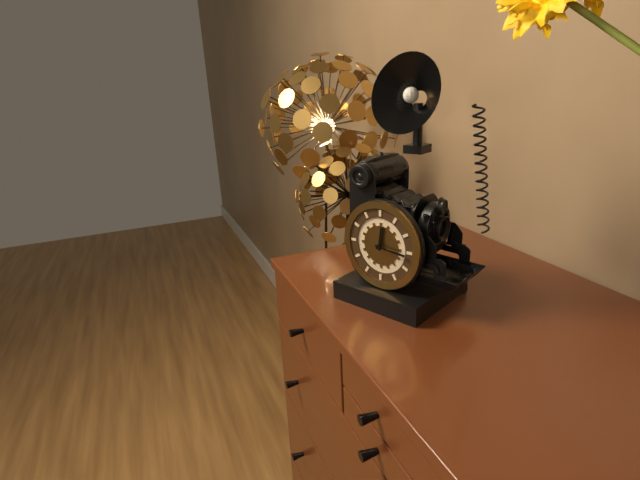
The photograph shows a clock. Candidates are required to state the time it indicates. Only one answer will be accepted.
12:16
